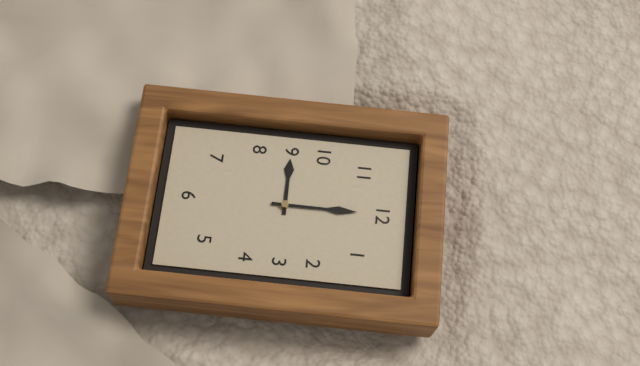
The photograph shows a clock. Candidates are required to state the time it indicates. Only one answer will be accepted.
9:00
